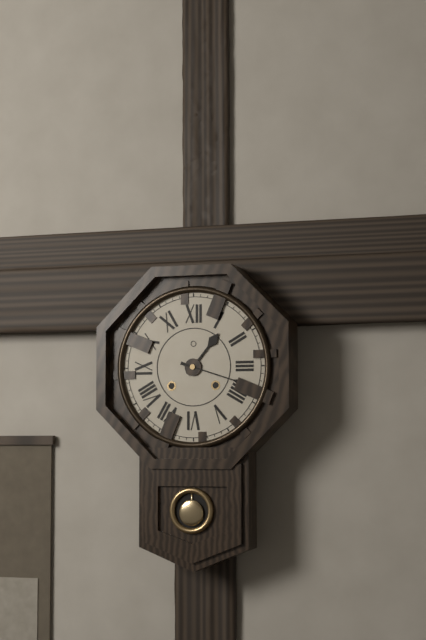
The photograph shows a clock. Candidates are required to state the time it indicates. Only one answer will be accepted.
1:18
